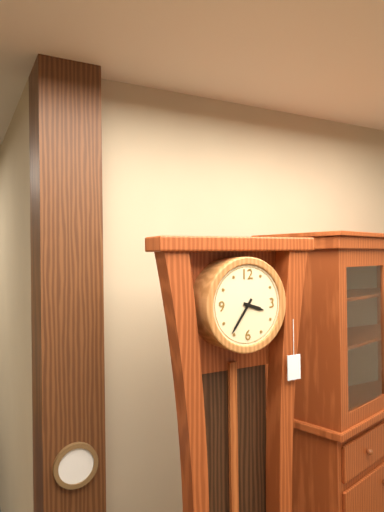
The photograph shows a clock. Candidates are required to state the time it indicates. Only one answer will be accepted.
3:36
